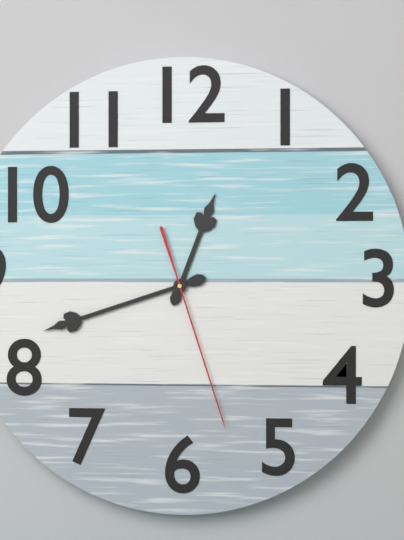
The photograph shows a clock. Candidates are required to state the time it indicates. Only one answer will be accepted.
12:42:27
